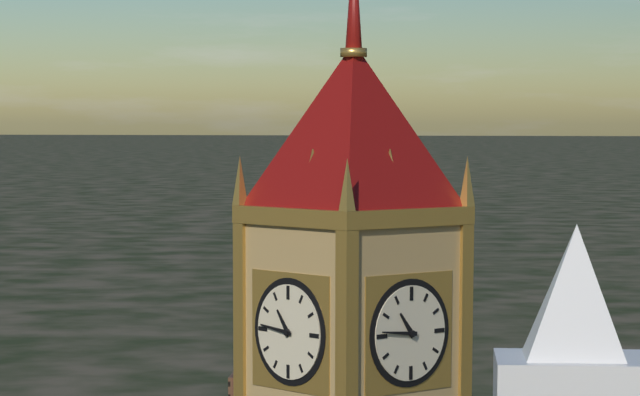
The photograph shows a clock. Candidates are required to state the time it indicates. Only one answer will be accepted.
10:46
